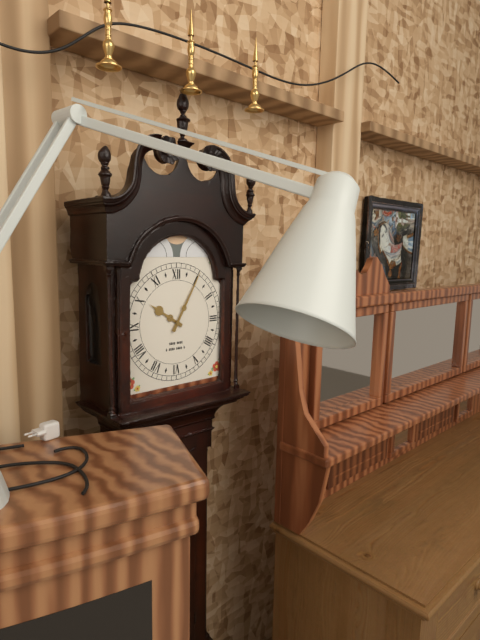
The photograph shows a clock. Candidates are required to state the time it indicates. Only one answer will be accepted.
10:05
